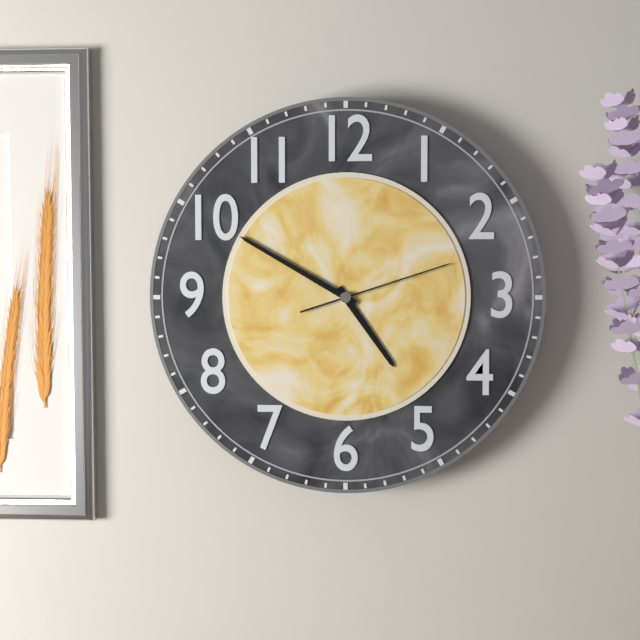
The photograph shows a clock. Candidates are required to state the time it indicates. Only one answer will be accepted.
4:50:12
